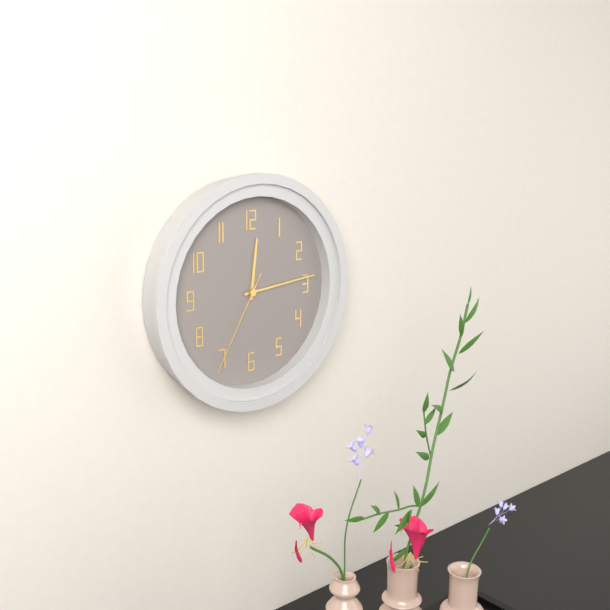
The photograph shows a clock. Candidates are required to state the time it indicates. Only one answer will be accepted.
12:14:35
